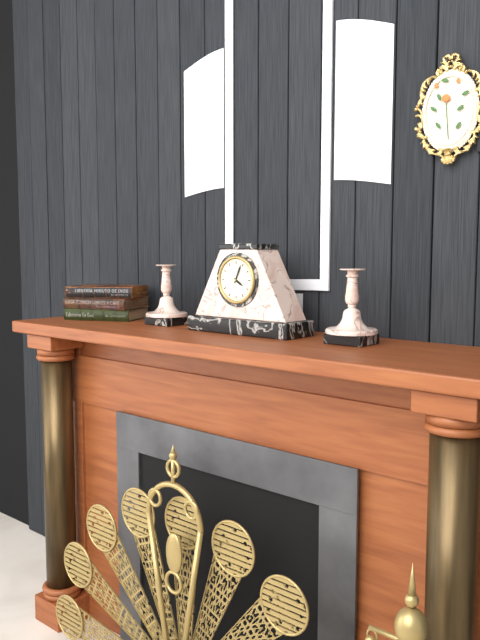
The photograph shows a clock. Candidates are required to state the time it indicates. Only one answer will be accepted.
4:04
